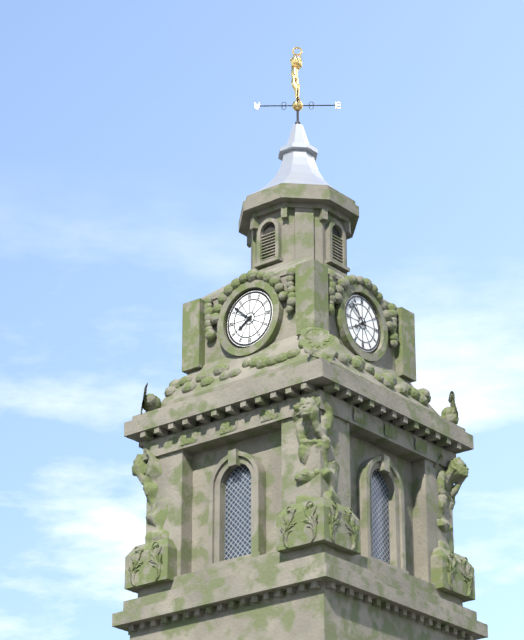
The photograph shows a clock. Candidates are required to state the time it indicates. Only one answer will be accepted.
7:52
